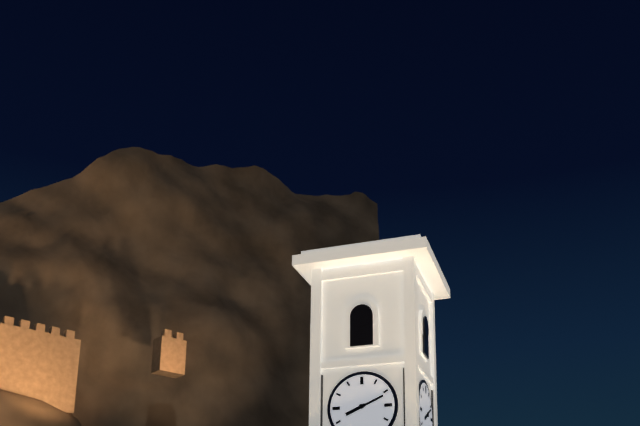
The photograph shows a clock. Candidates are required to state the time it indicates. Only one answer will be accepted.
8:11
